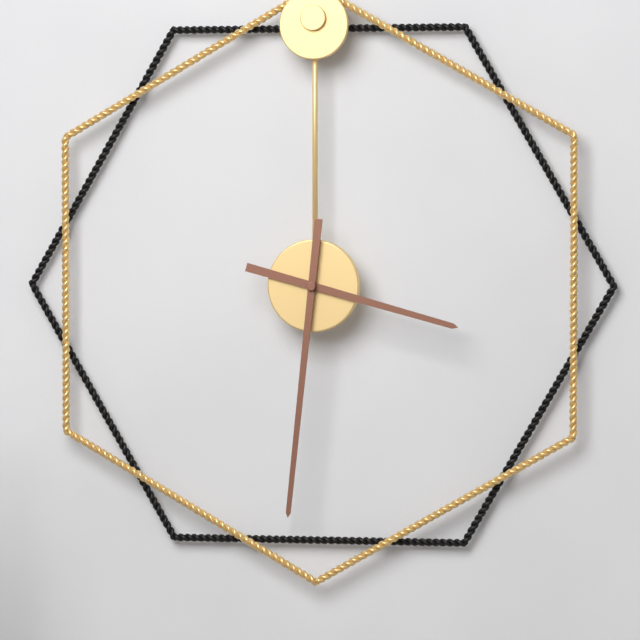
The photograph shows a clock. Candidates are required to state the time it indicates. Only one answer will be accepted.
3:31
